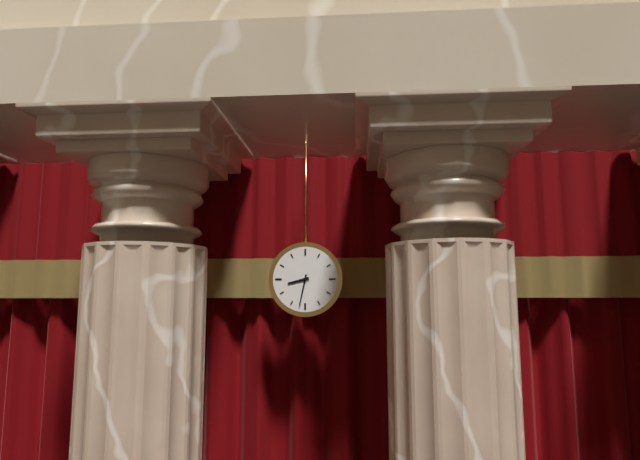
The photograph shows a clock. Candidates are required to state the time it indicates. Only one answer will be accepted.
8:32
